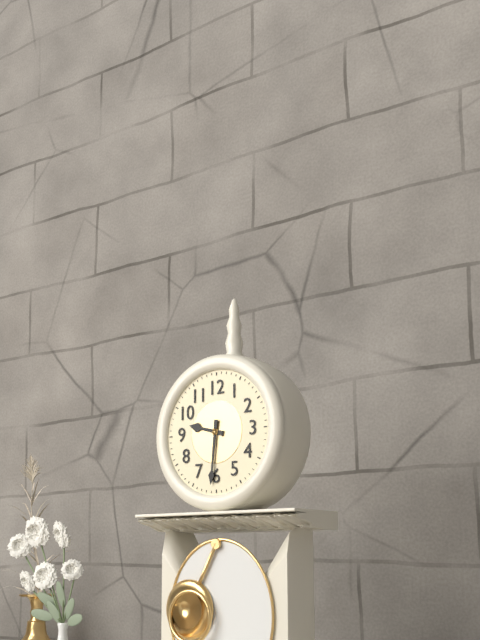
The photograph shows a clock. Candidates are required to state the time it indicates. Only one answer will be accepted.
9:31
